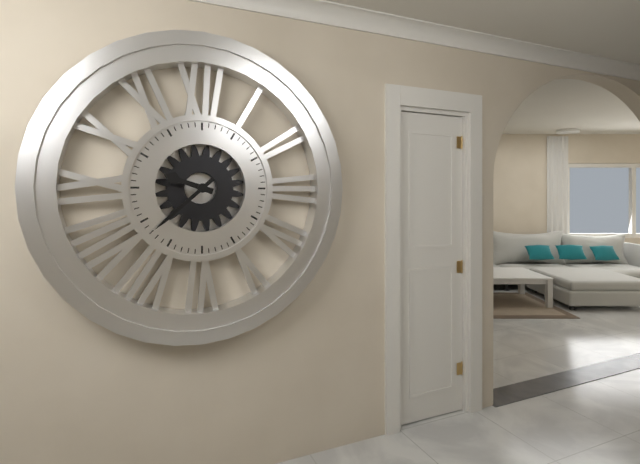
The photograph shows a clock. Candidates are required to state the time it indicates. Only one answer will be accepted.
9:38
